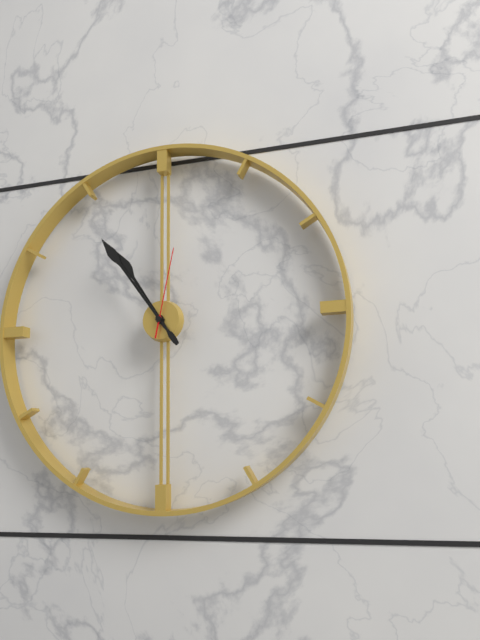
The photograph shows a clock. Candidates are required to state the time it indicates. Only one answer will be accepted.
10:54:02
